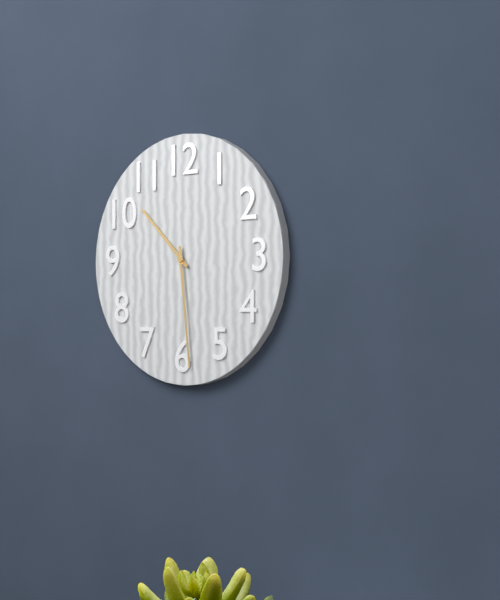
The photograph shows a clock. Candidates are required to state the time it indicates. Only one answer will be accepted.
10:29
